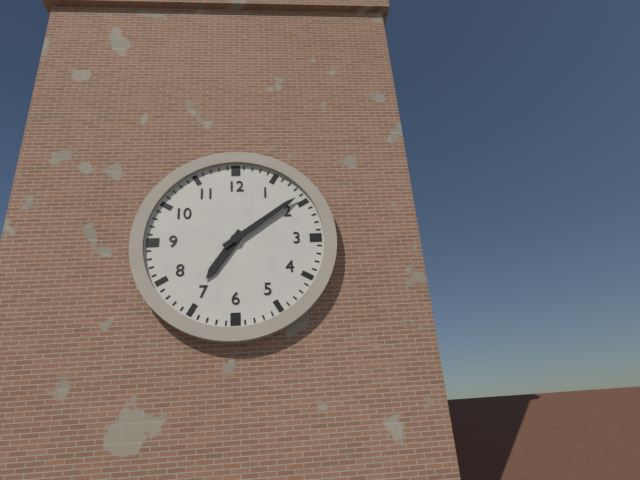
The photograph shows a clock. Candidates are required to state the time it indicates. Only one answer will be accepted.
7:09
